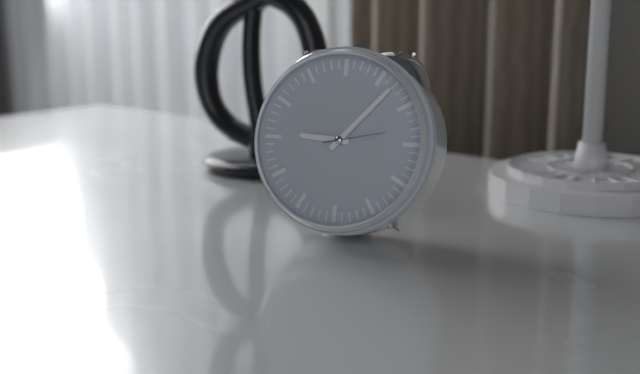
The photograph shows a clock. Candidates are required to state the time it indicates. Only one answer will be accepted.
9:07:13
